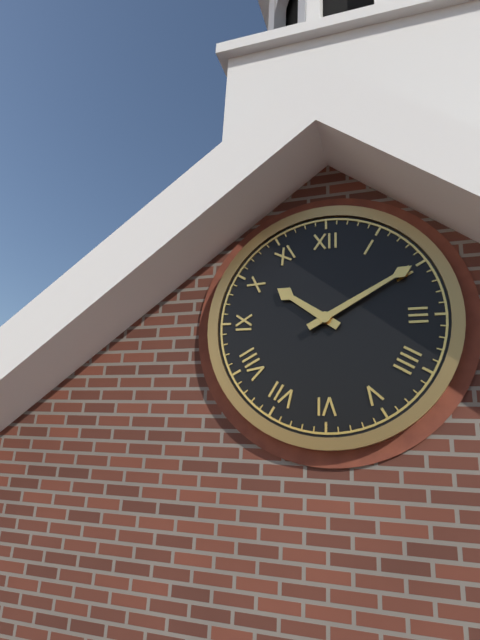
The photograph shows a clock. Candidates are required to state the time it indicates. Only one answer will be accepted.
10:10
